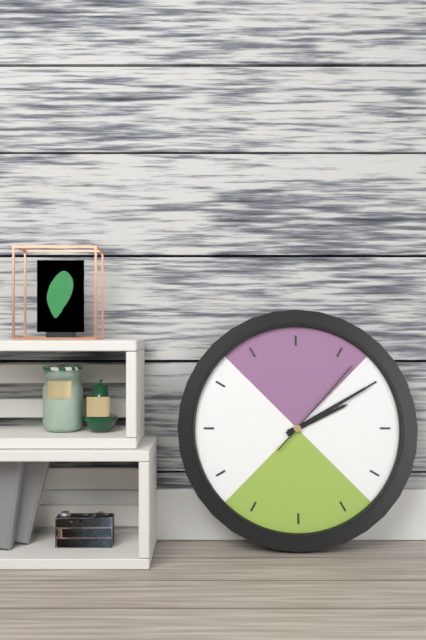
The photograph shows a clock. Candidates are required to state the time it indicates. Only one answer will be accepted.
2:10:07
